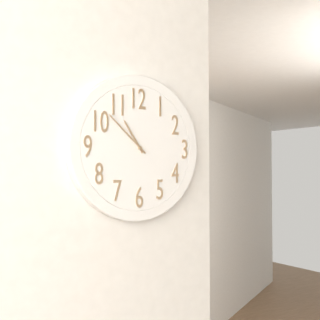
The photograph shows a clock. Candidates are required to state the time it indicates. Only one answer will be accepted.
10:52
